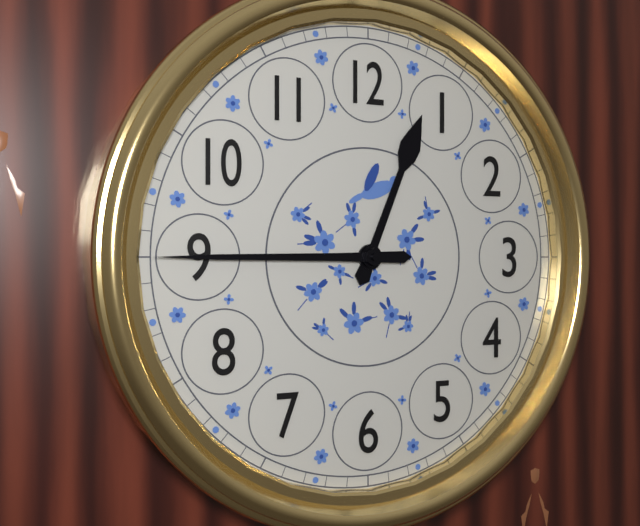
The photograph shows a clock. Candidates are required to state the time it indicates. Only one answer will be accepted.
12:45
